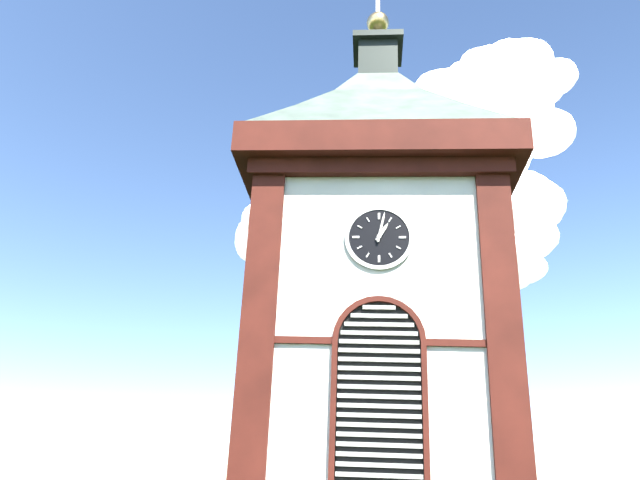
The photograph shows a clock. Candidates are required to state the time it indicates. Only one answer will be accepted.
1:02
